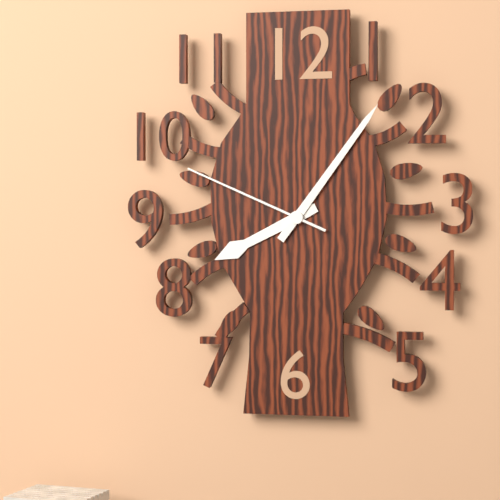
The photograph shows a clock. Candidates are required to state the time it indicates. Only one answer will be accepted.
8:06:49
